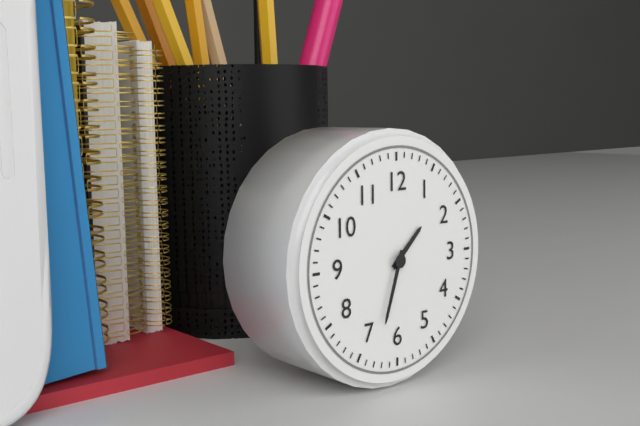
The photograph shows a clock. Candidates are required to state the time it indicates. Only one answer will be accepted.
1:33
